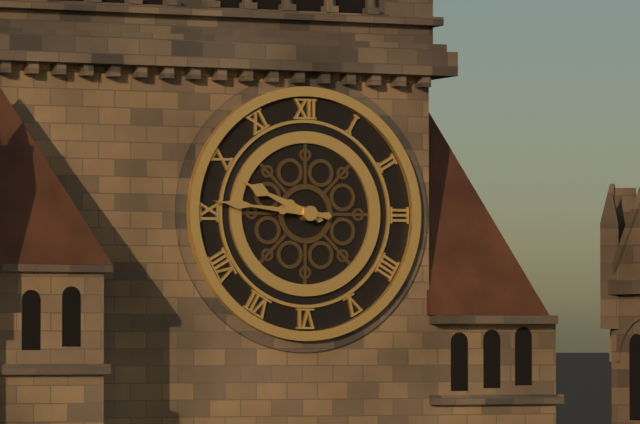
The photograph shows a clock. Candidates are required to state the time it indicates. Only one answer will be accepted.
9:46
